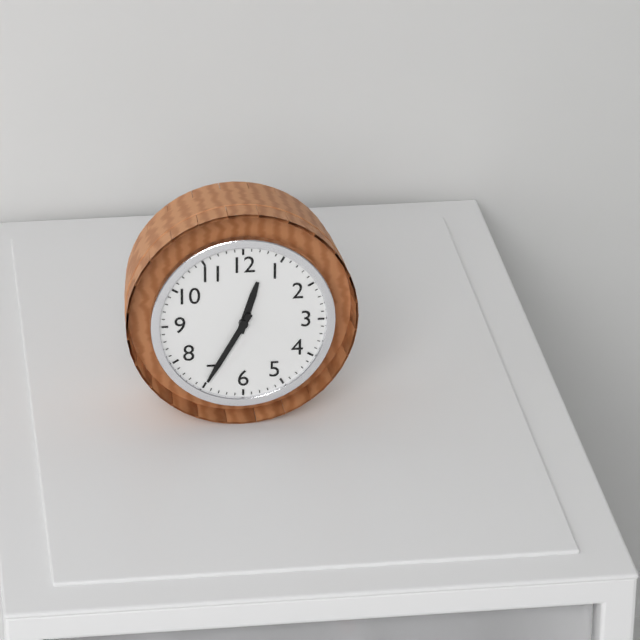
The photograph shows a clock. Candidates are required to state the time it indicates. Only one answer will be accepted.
12:35
